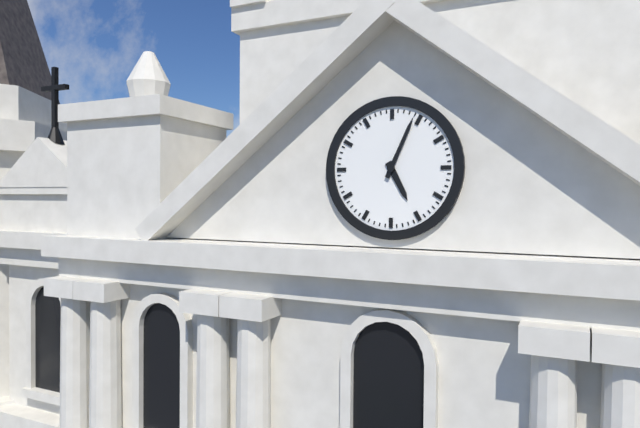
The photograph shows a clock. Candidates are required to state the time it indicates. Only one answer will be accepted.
5:04
